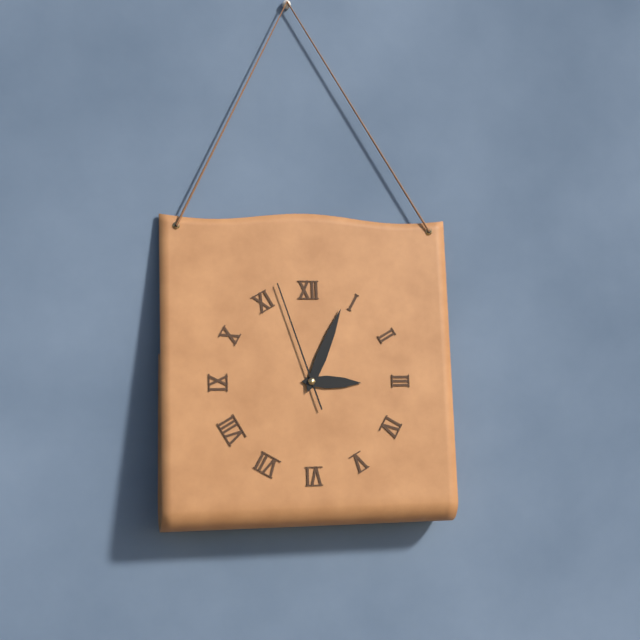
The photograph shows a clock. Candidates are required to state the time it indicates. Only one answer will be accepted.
3:04:57
